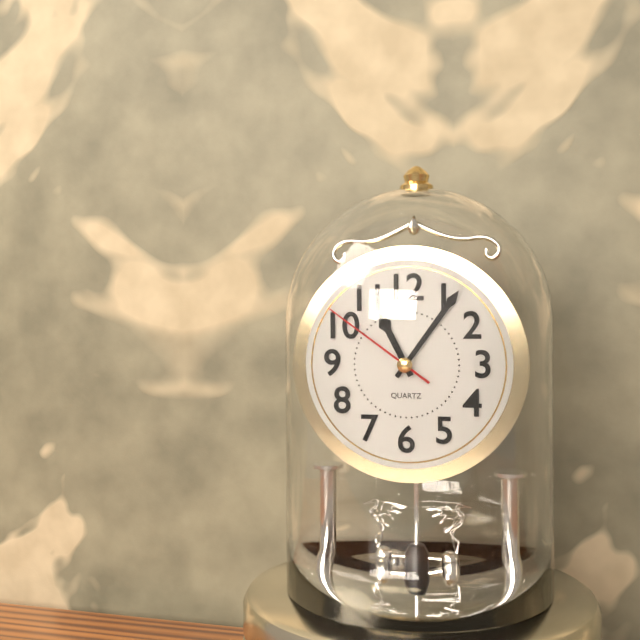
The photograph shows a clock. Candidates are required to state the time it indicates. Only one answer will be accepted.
11:06:51
